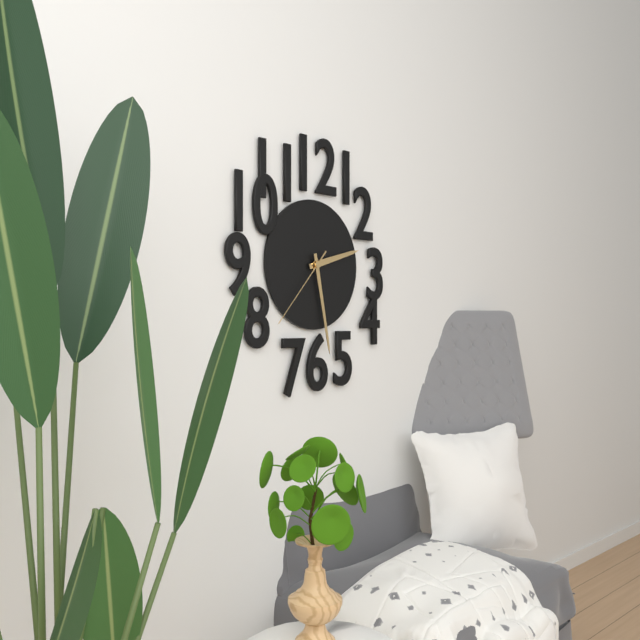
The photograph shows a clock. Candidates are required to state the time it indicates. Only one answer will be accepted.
2:28:37
